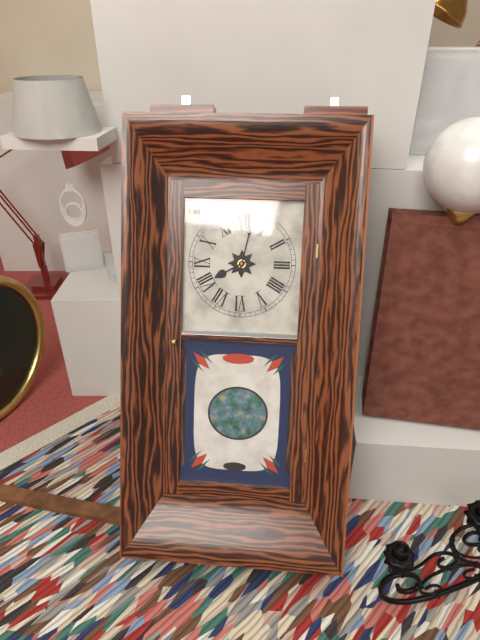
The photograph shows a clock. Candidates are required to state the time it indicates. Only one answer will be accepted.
8:02
